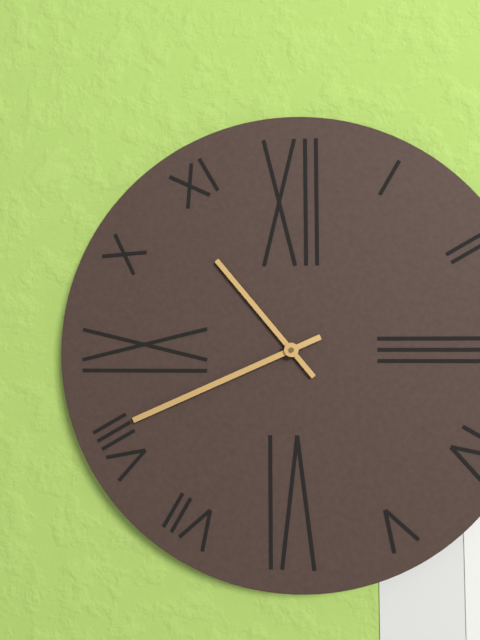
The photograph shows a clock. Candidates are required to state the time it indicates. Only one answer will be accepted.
10:41
